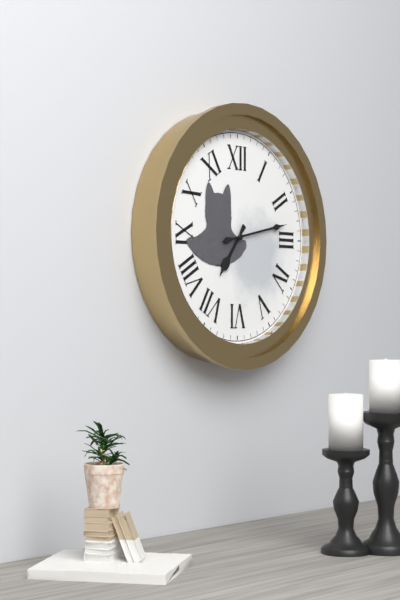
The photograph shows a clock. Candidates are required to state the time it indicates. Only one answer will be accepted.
7:13
